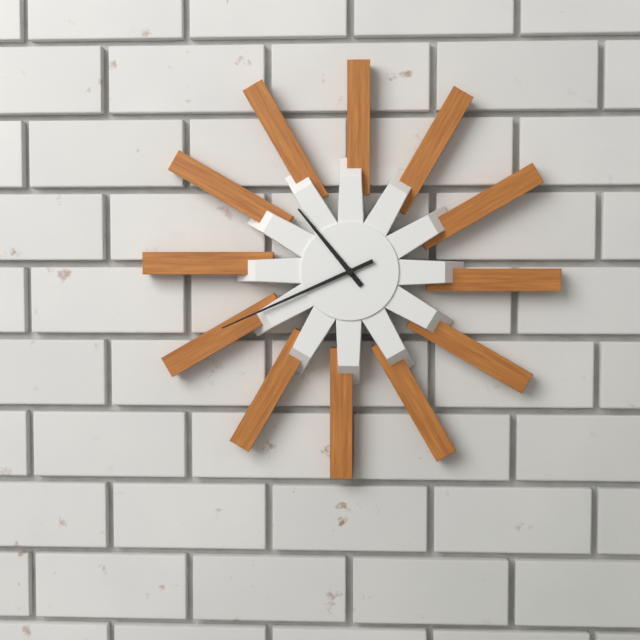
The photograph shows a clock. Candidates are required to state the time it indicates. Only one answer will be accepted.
10:41
